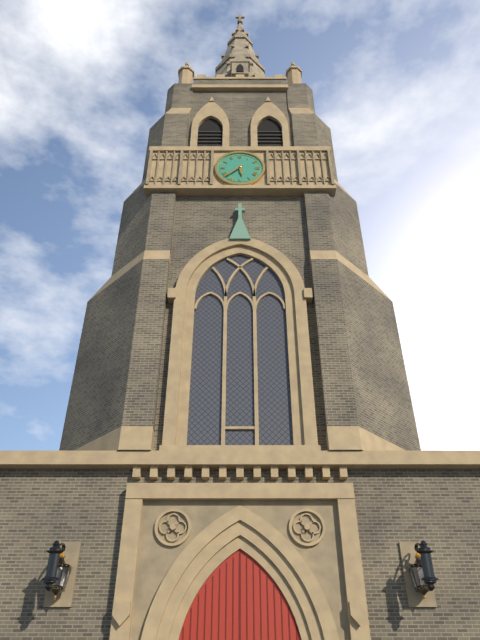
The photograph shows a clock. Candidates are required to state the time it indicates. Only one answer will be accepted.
5:38
